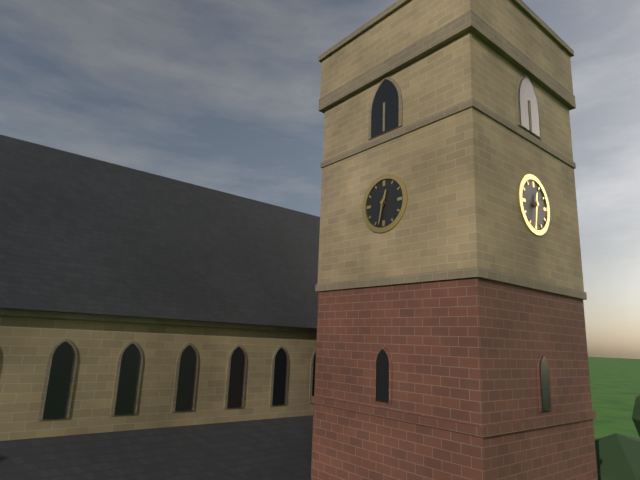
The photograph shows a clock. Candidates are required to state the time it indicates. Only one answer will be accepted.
12:32
